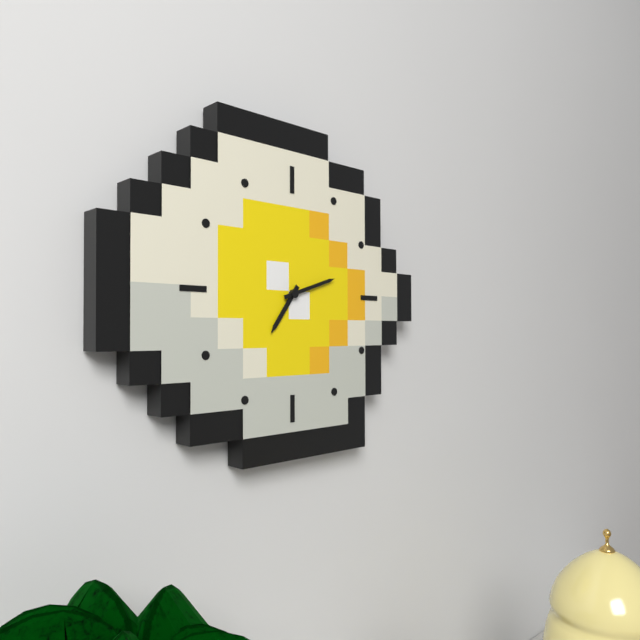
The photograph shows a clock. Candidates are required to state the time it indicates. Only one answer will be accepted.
7:12
